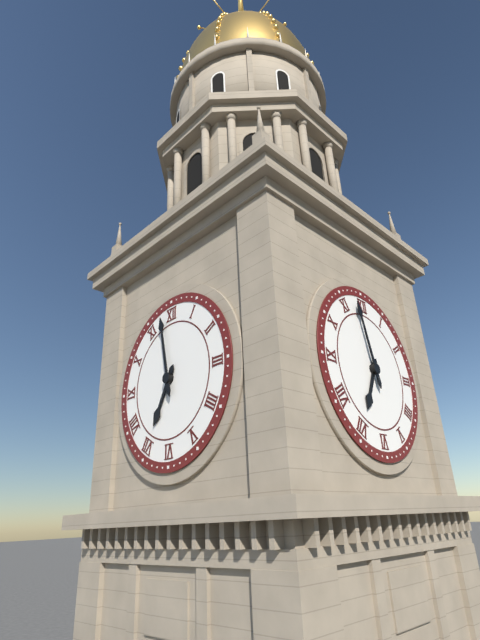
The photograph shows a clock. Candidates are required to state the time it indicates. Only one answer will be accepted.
6:58
